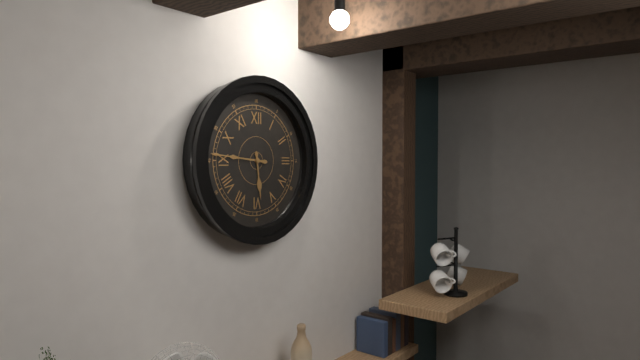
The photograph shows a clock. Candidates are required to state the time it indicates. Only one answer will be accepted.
5:46
